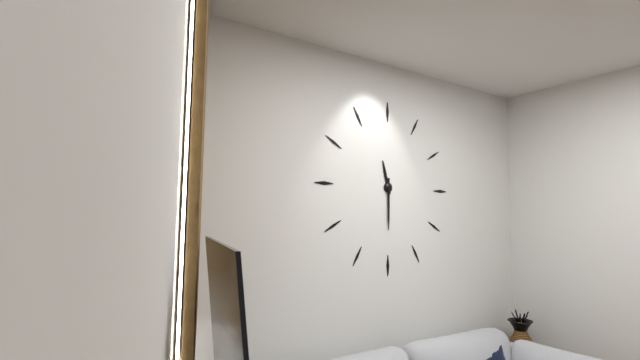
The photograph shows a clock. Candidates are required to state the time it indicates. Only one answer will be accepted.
11:30
